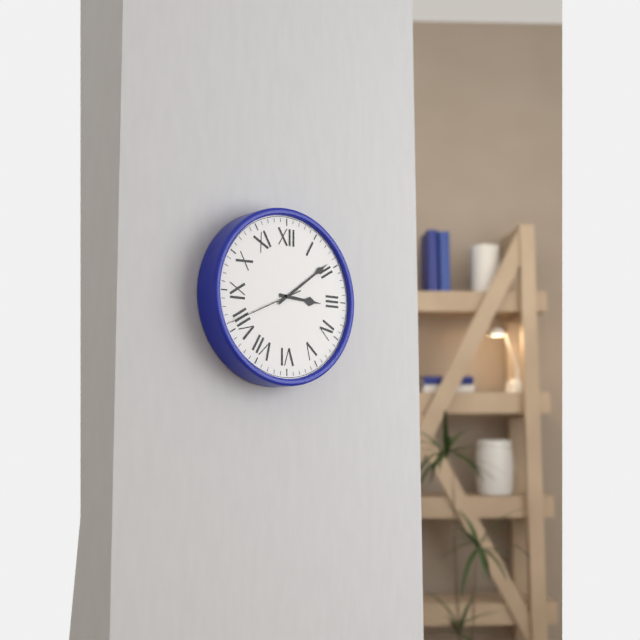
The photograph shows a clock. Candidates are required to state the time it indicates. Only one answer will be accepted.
3:09:41
